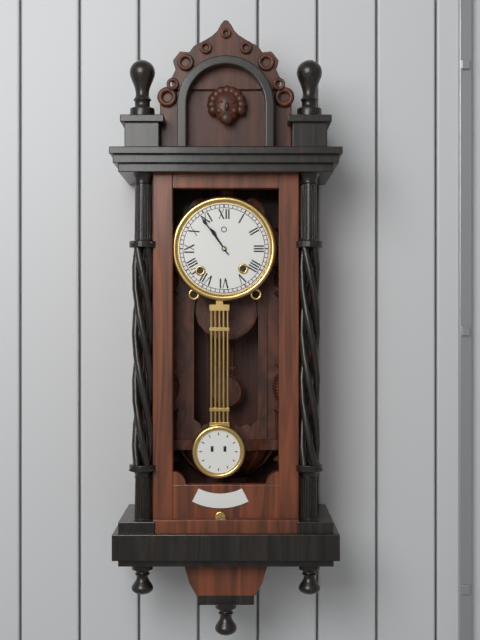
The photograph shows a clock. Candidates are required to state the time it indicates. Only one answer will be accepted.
10:54
